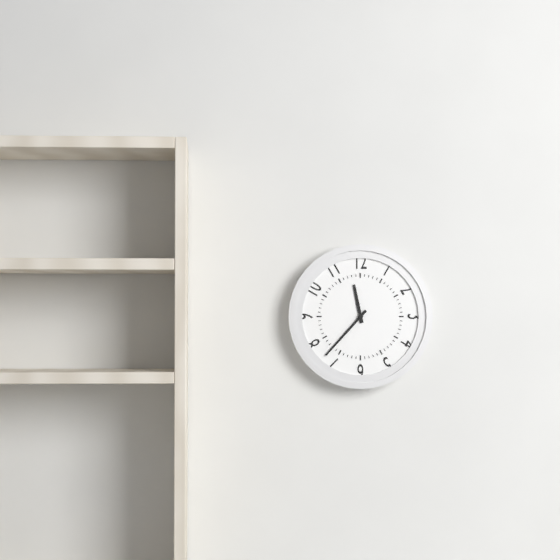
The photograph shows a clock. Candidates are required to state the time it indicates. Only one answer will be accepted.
11:37
